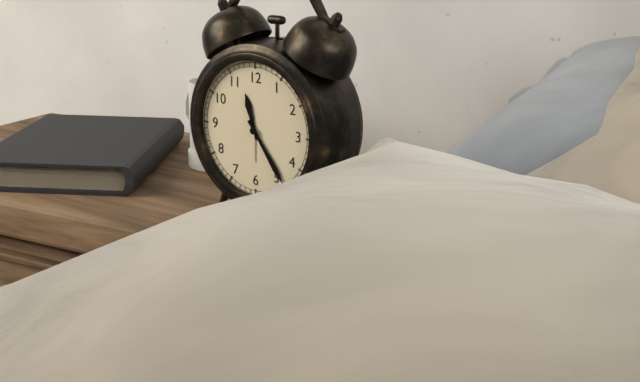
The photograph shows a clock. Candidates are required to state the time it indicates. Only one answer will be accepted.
11:24
